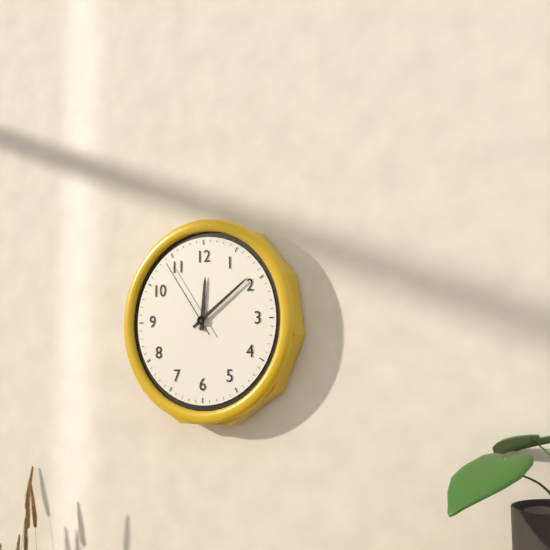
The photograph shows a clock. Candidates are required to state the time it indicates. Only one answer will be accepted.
12:09:54
